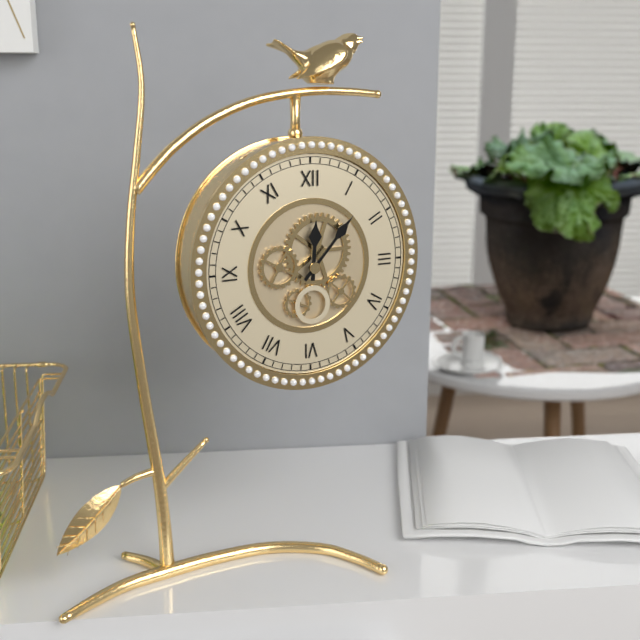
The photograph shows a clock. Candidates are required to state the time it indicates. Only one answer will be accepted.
12:07
